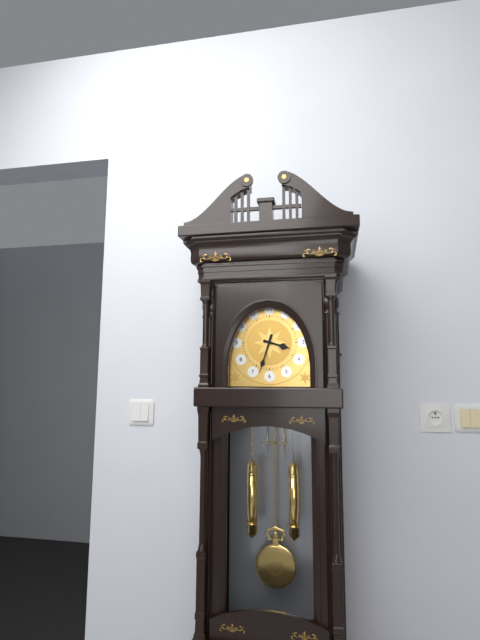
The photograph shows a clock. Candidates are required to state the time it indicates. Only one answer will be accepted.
3:33
